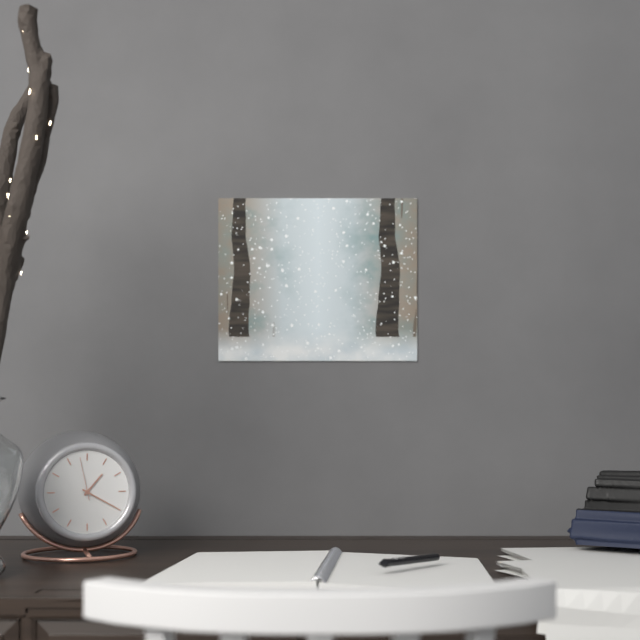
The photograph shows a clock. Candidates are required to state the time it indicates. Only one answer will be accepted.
1:20
